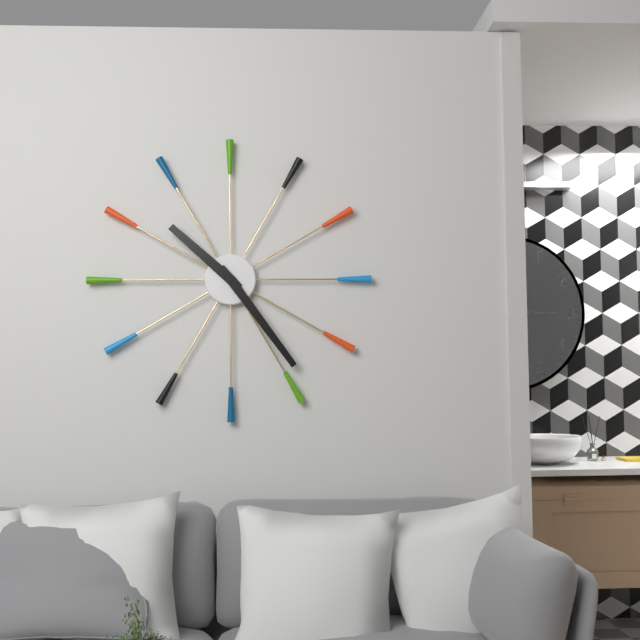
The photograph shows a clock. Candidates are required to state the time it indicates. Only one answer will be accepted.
10:24
